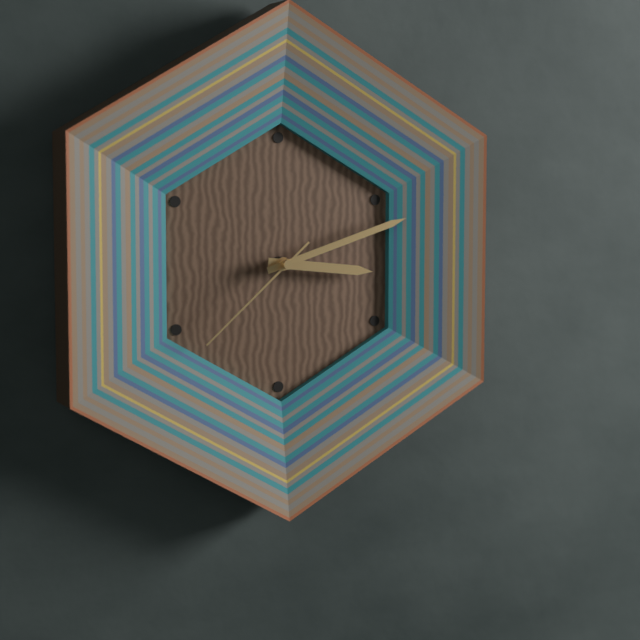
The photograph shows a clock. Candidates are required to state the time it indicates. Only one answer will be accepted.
3:12:38
